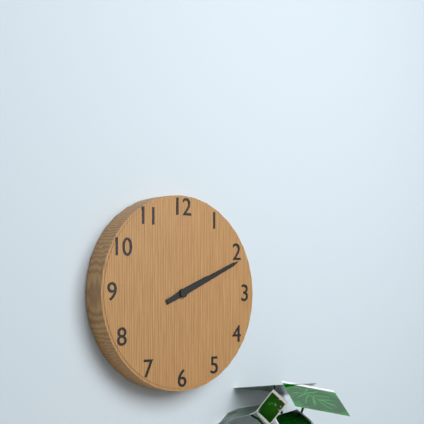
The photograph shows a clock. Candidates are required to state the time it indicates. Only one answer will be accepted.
2:11
